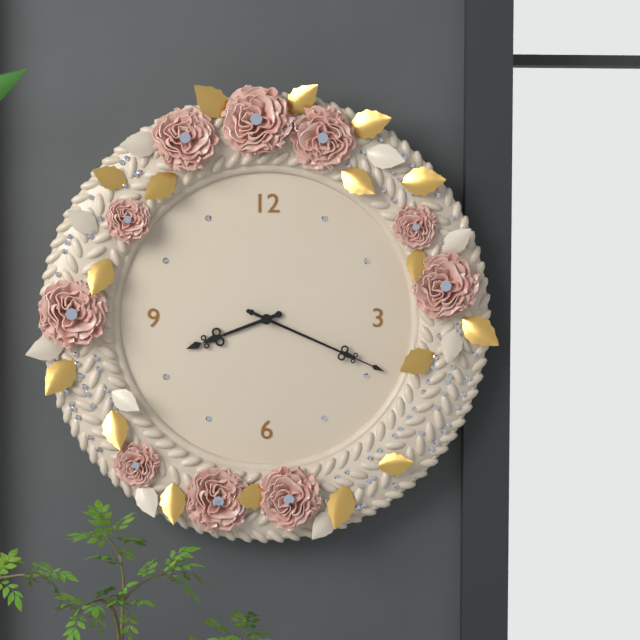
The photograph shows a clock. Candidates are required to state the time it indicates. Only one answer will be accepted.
8:19:19
